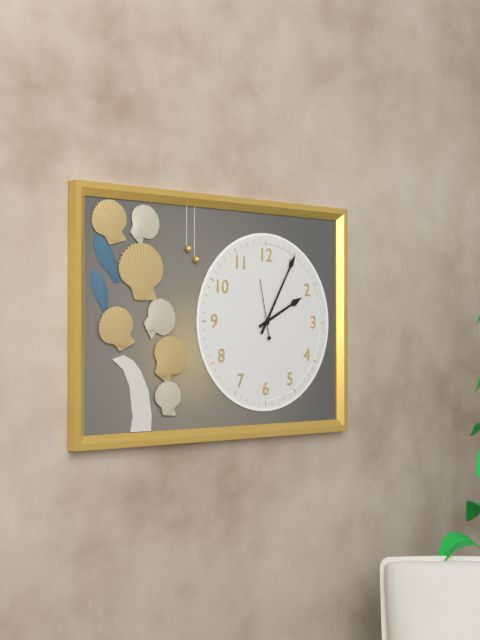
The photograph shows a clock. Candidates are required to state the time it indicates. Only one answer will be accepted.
2:05:58
